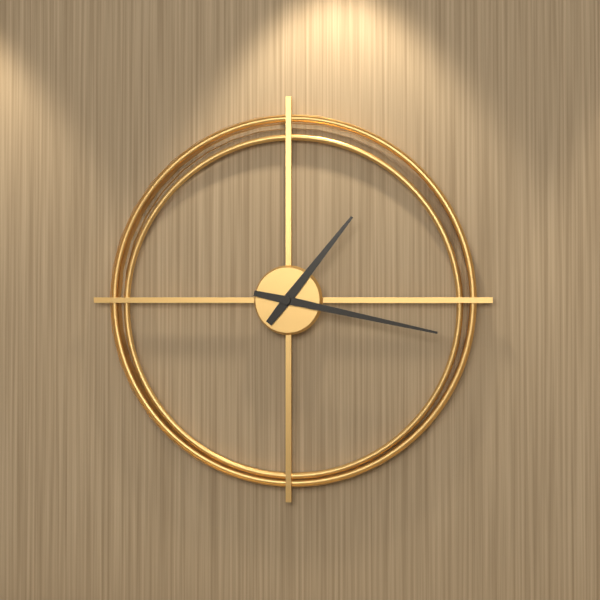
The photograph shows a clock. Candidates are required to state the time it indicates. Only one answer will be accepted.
1:17
